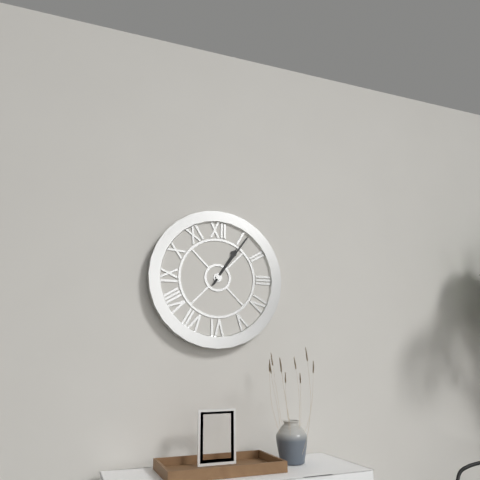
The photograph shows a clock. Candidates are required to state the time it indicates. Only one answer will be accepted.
1:06
